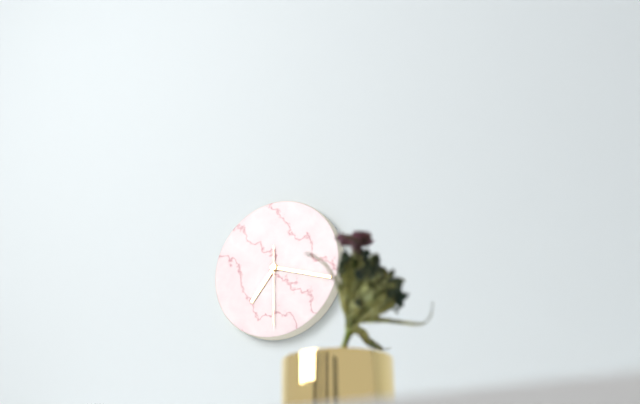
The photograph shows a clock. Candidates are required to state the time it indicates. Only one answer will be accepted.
7:18:30
